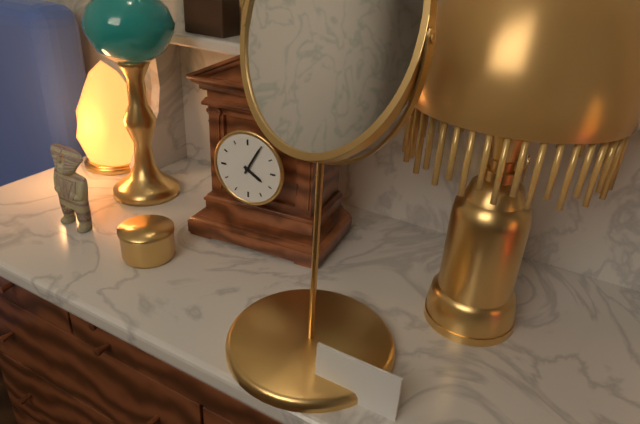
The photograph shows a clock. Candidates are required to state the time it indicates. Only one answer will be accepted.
4:05
